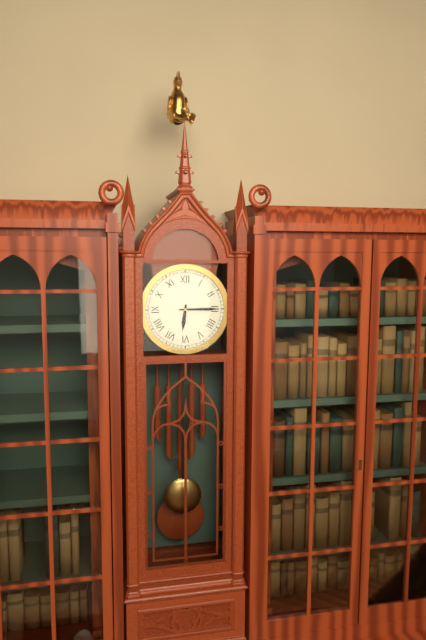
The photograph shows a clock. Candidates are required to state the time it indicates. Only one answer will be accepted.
6:15
